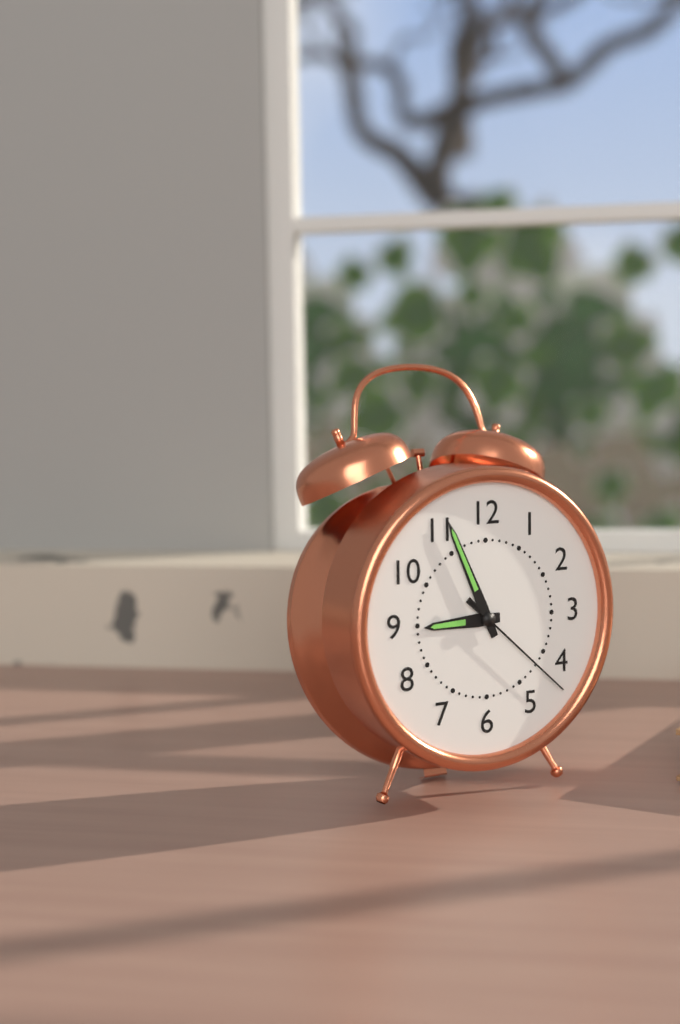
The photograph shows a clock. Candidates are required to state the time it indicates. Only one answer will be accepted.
8:56:22
